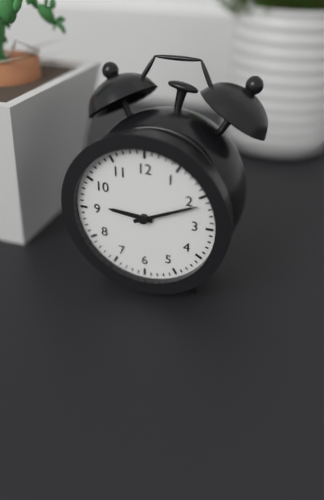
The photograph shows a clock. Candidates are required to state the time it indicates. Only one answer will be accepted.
9:11
